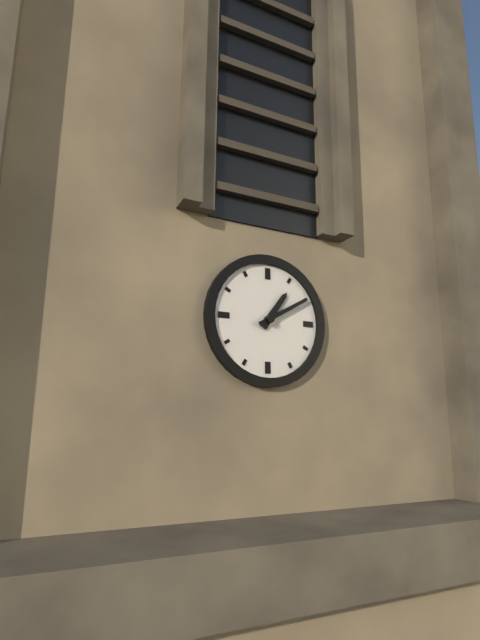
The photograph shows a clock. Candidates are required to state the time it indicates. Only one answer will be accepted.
1:10
